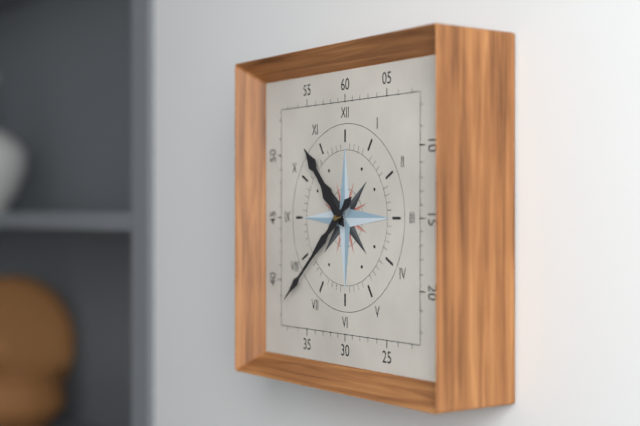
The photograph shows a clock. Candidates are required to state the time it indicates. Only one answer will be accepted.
10:38
